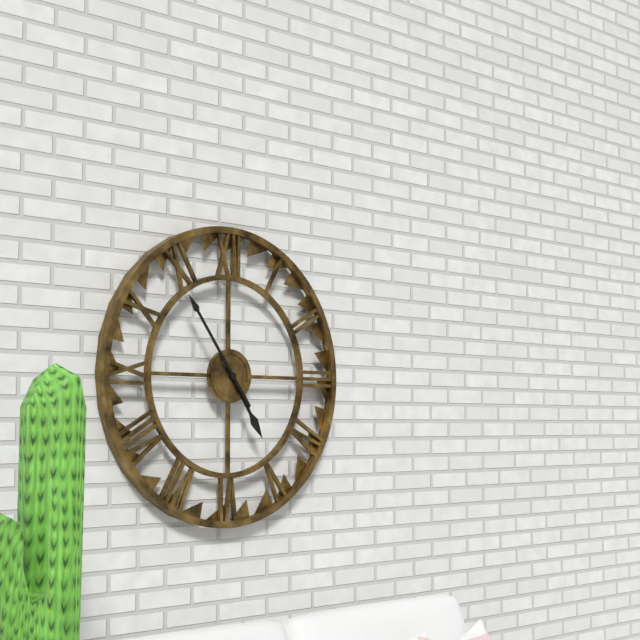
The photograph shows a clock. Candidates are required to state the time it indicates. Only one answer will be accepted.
4:54
